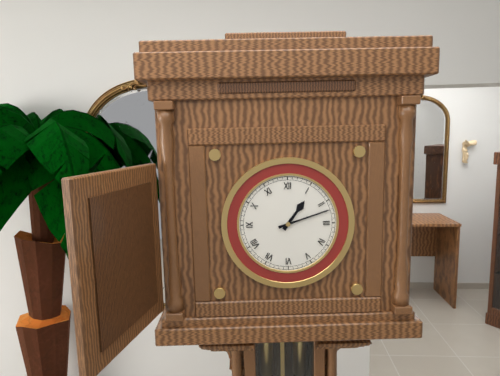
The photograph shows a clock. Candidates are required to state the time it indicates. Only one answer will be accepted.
1:12
